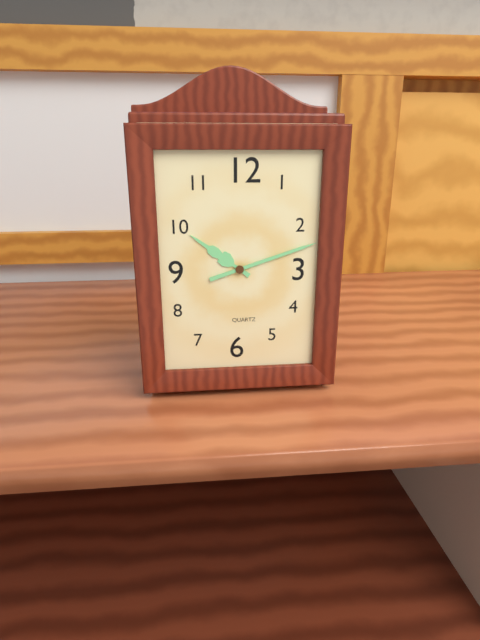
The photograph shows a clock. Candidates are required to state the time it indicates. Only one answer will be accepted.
10:12
